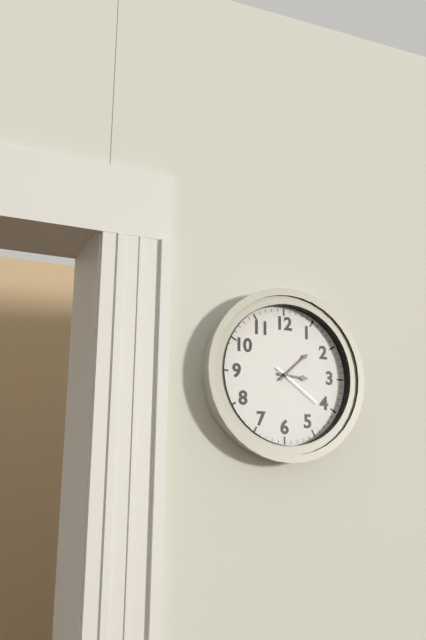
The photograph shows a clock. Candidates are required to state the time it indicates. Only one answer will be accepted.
3:08:21
